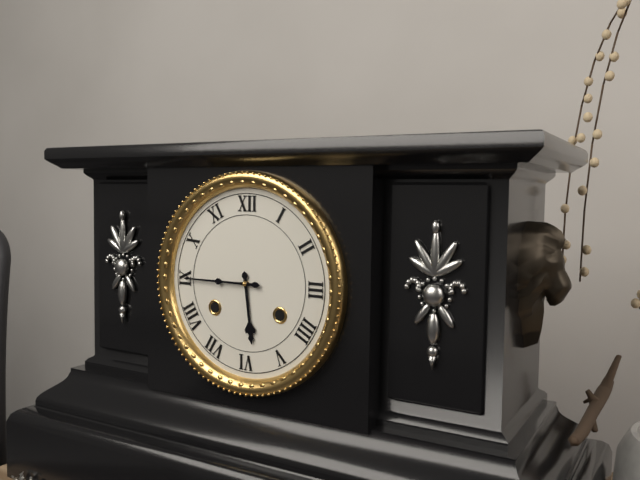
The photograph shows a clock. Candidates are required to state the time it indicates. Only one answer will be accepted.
5:45
